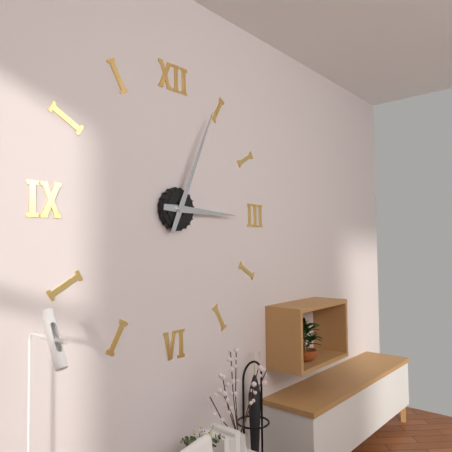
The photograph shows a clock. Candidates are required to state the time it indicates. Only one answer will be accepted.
3:04
